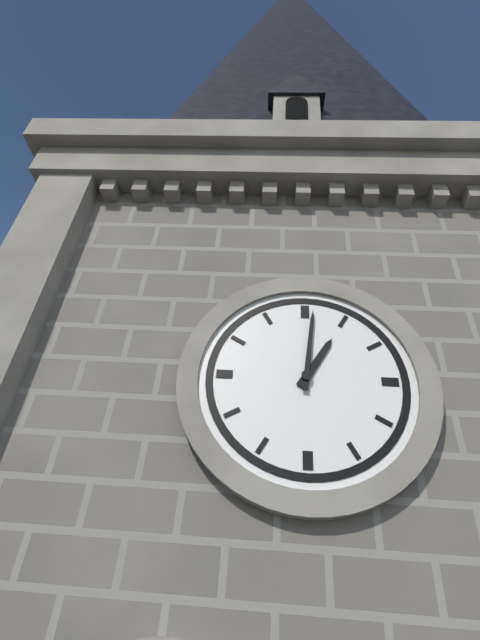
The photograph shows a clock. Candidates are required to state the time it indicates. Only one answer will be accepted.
1:01
